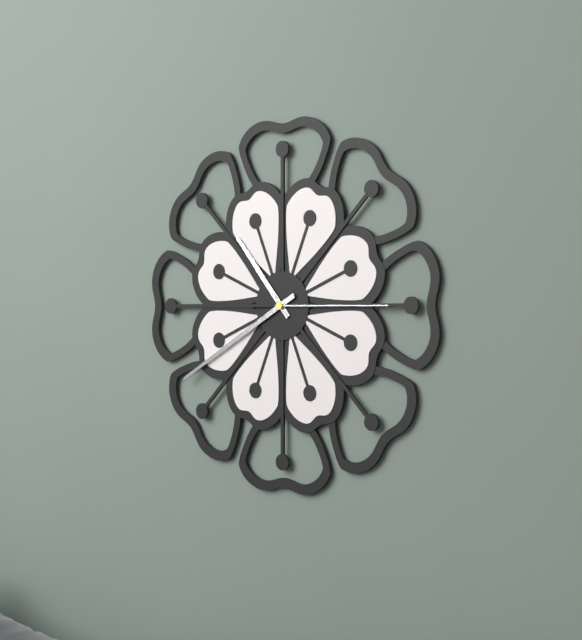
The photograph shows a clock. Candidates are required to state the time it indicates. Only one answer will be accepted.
10:40:15
